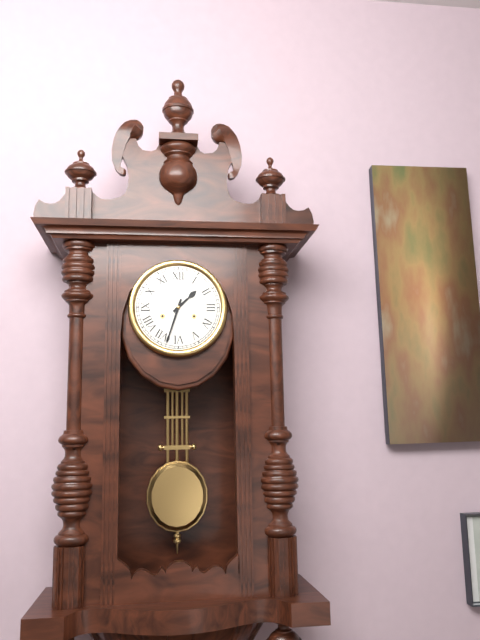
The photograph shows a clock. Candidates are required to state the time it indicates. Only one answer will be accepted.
1:33
